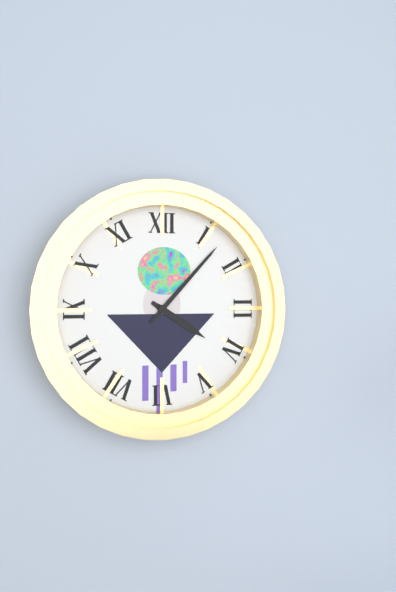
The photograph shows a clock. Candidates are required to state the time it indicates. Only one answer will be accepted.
4:07
